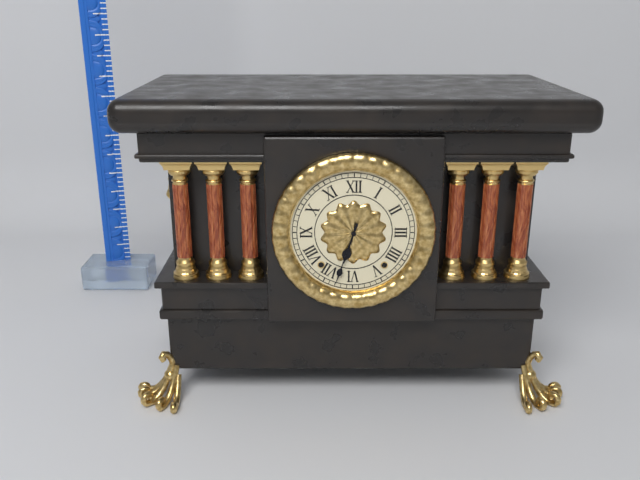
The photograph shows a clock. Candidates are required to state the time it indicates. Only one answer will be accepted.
6:33
